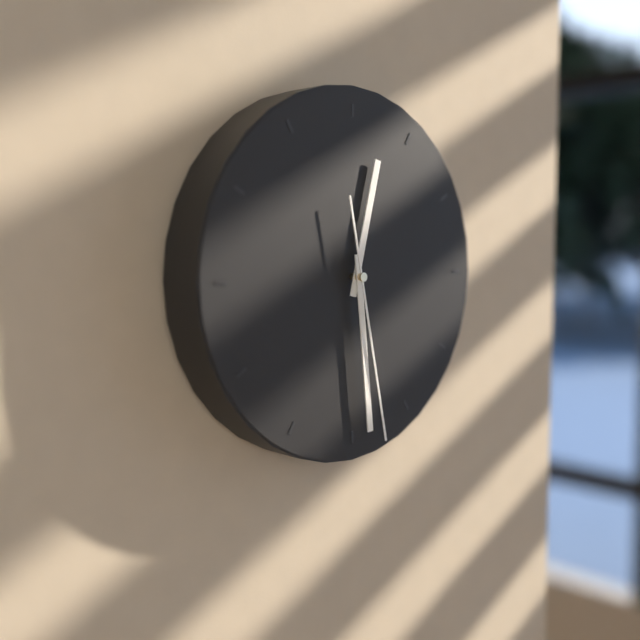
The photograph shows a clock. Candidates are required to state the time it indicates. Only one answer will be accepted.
12:29:28
